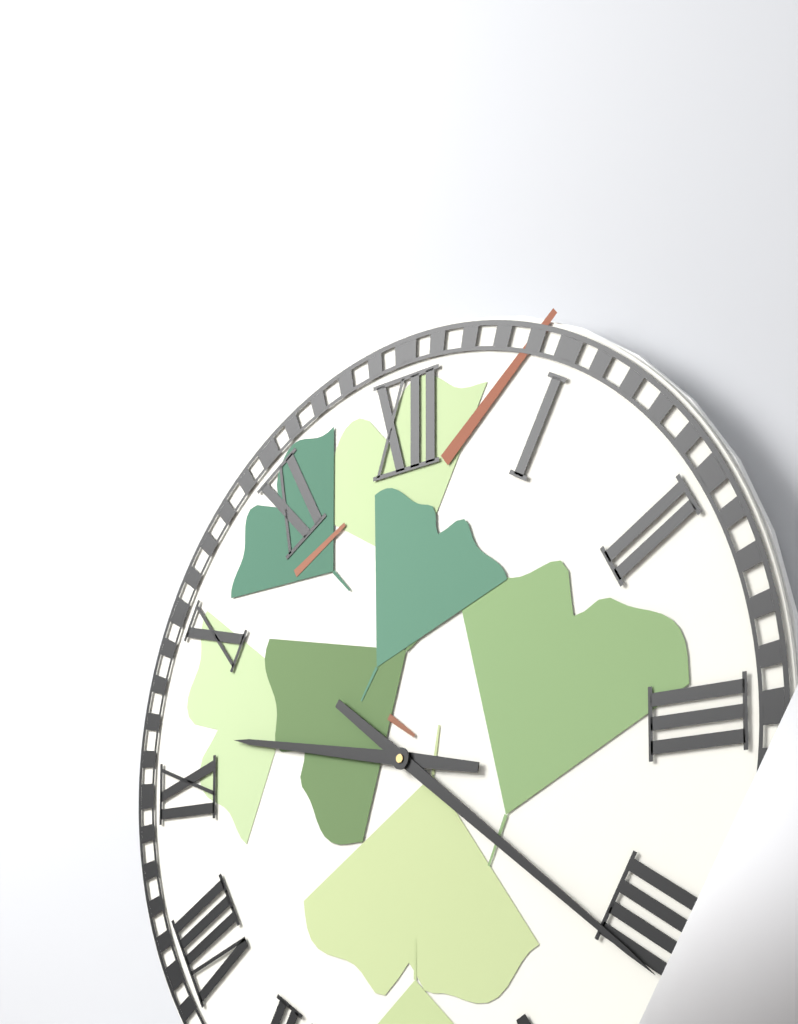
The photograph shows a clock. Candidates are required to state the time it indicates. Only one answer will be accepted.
9:21
